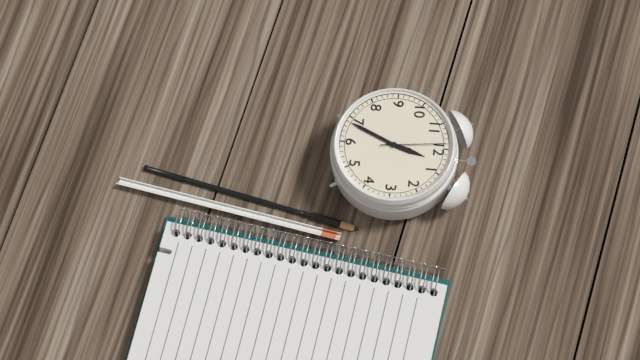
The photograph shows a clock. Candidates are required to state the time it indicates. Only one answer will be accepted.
12:34:59
